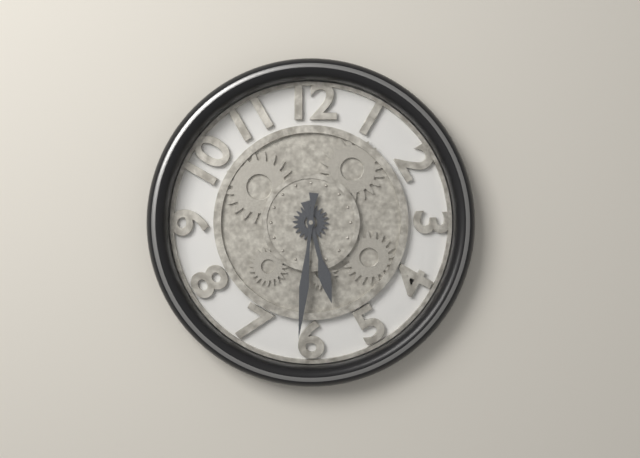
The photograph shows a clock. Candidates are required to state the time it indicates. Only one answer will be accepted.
5:31
